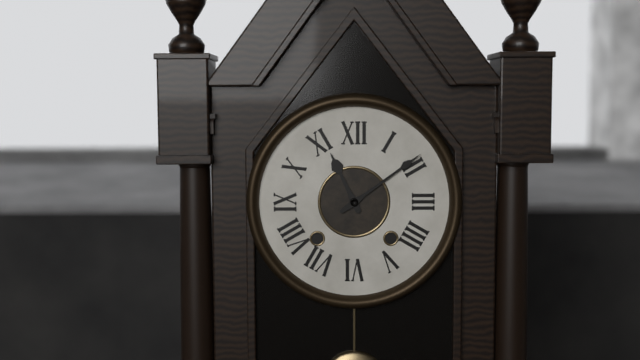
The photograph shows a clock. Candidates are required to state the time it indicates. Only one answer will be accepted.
11:09
